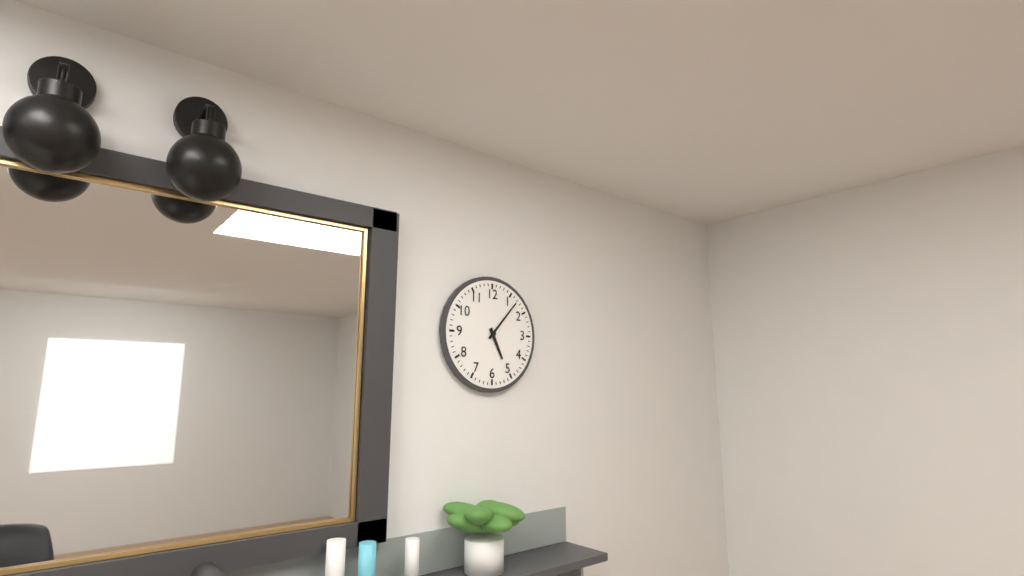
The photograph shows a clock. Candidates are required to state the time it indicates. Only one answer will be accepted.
5:07
